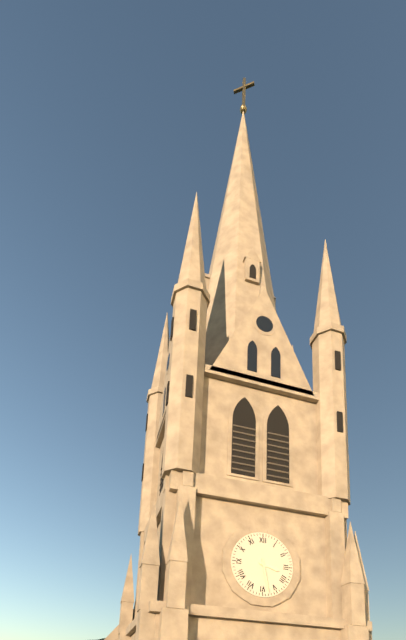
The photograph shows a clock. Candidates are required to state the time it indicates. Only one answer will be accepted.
3:28
